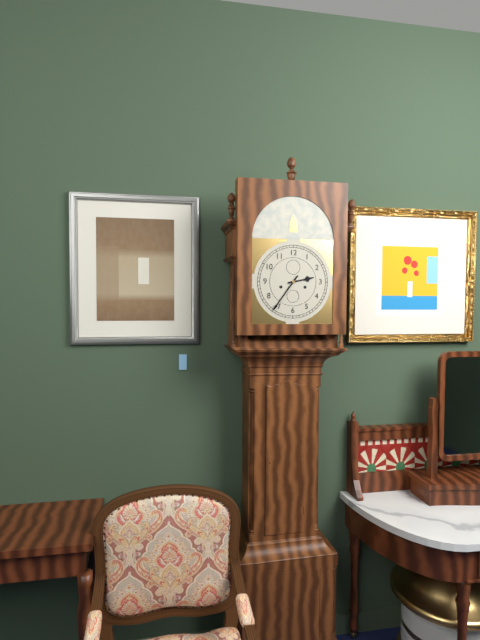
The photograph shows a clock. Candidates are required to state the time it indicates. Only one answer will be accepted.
2:36
